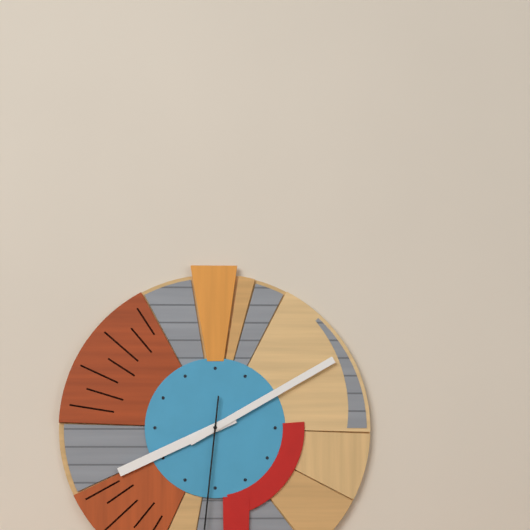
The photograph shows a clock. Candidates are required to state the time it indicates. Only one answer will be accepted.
8:10:31
